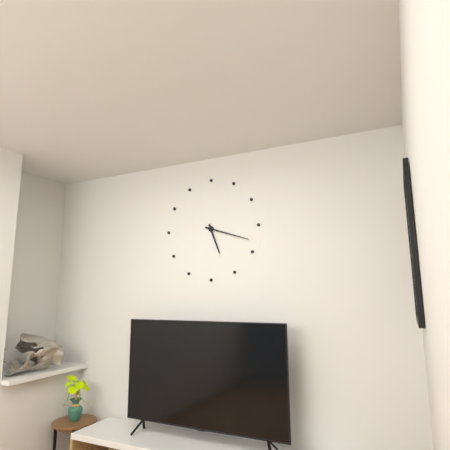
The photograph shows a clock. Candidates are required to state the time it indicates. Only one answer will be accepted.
5:18
